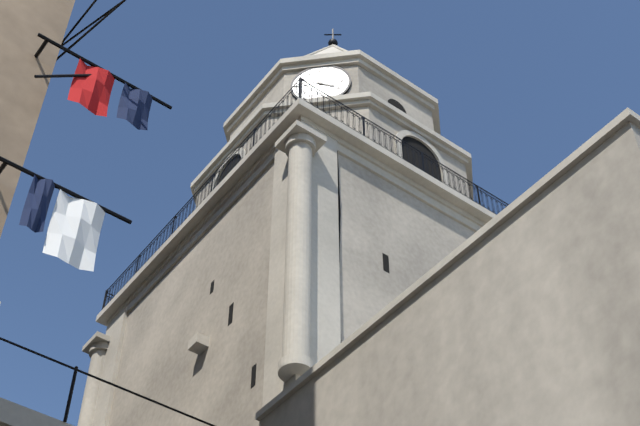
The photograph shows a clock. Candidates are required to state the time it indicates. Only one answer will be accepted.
3:50
